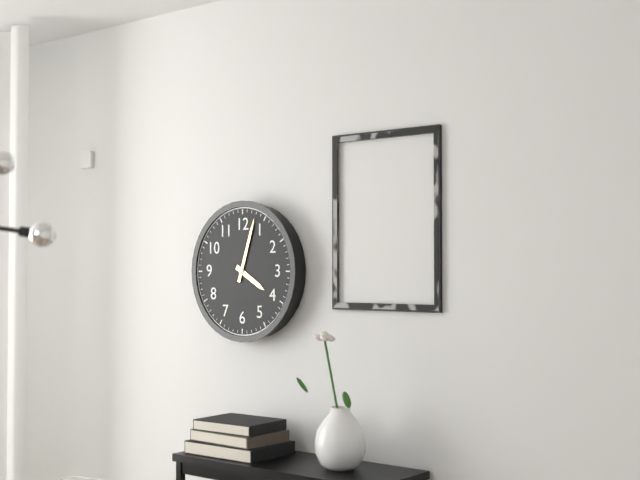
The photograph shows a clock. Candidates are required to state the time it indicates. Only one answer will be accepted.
4:03
